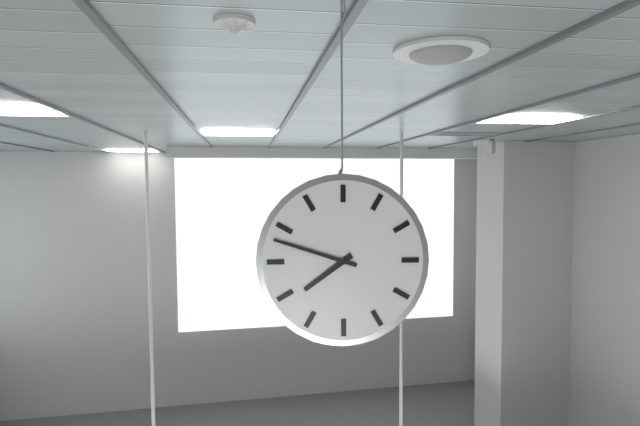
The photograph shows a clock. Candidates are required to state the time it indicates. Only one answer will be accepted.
7:48
